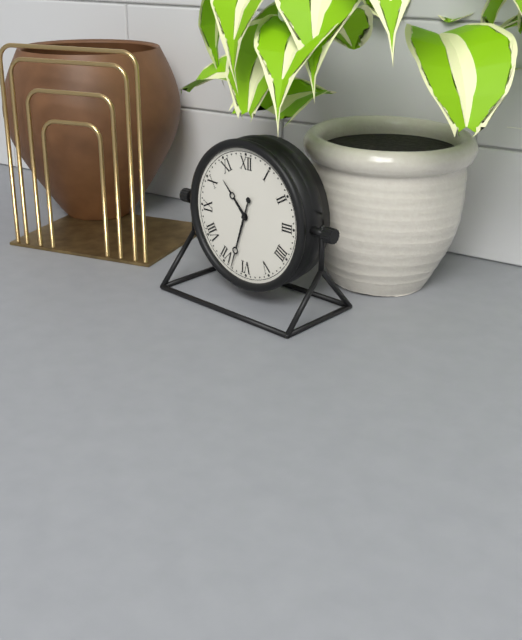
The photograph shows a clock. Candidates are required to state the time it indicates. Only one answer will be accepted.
10:33
